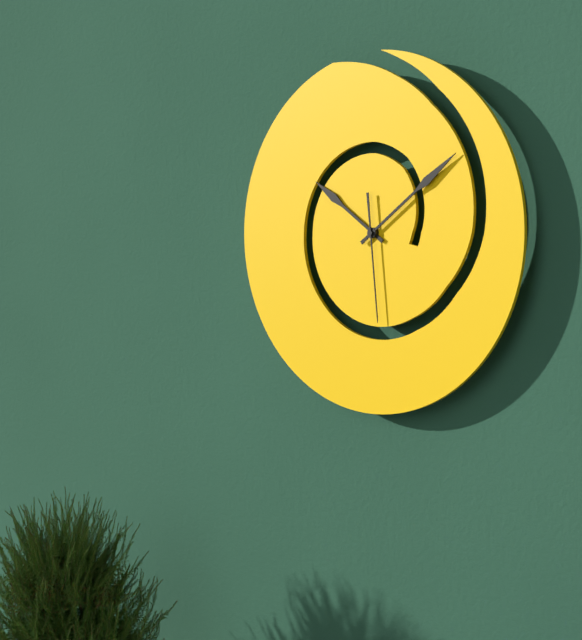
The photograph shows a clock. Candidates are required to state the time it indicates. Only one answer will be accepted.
10:09:29
